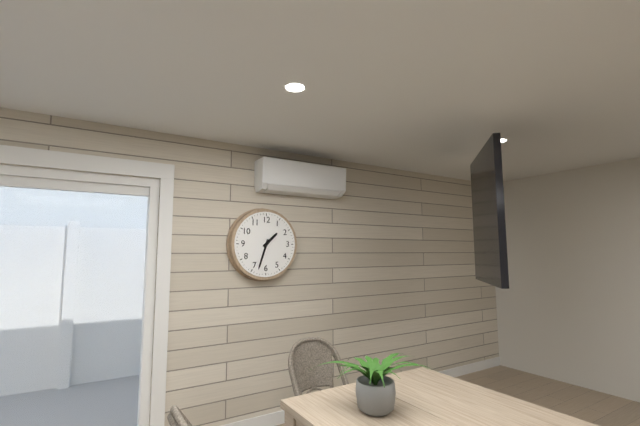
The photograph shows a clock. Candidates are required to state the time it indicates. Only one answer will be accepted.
1:33
